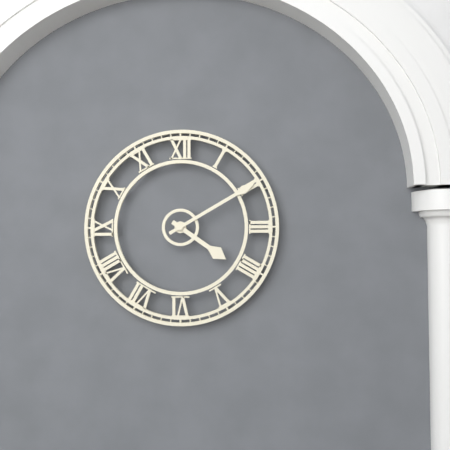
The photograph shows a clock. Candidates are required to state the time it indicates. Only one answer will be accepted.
4:10
